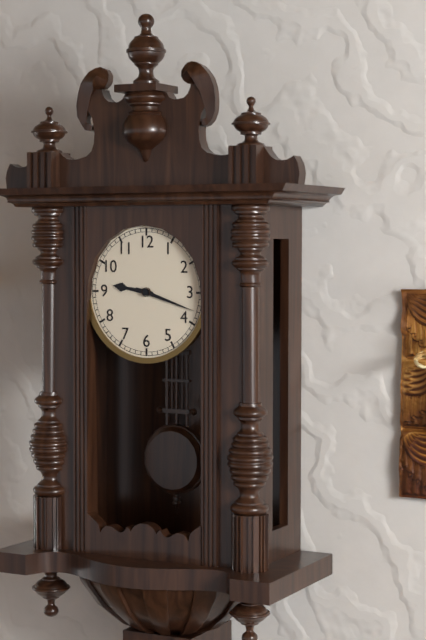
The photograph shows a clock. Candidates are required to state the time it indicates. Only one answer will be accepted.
9:18
